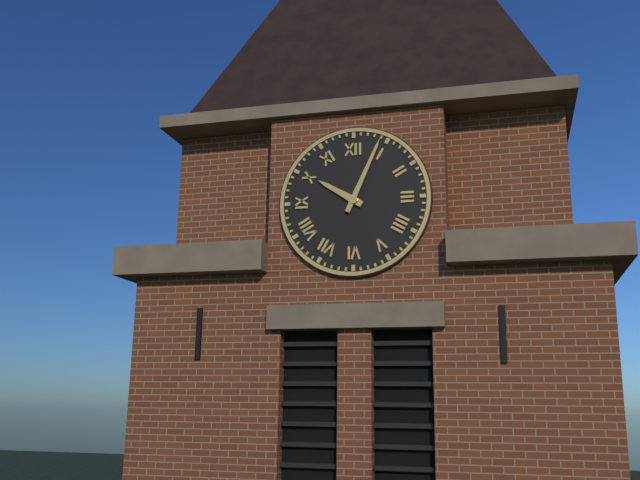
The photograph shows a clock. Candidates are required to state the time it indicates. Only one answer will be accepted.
10:04
